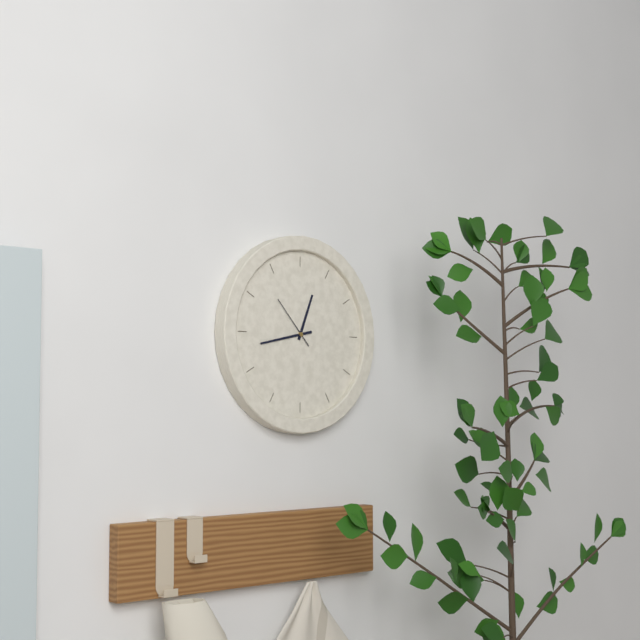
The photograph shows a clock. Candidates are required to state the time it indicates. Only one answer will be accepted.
12:43:53
